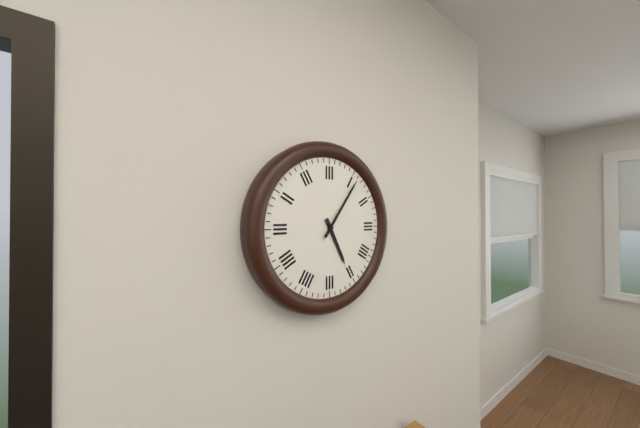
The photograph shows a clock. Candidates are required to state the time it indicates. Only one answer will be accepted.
5:06
